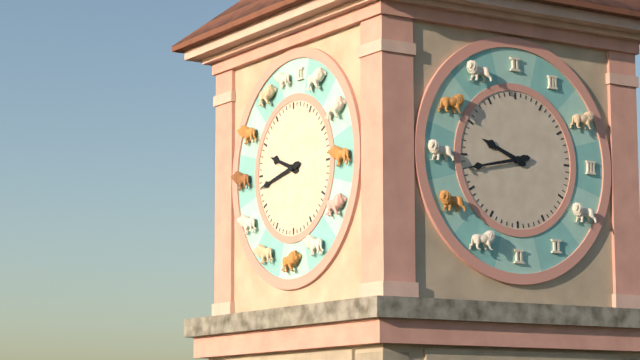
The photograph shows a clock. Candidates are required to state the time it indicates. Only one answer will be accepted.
9:43
